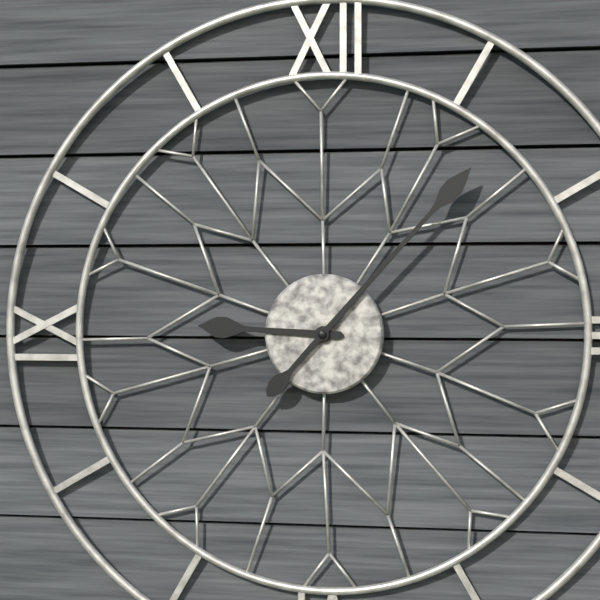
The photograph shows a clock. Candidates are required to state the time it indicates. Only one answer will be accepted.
9:07
